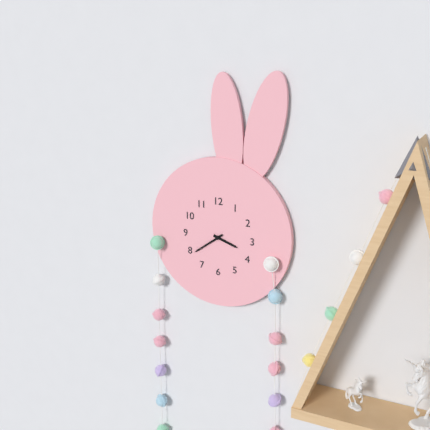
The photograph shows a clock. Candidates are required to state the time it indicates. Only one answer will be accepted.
3:39
